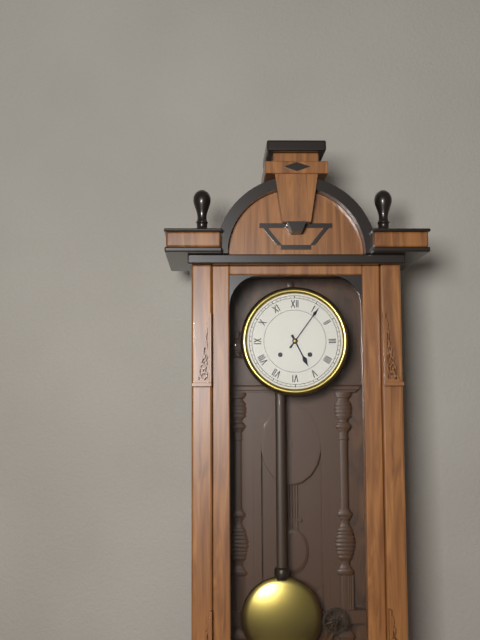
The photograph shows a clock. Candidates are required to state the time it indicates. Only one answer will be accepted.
5:06
